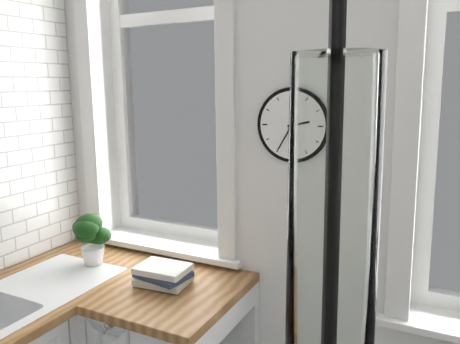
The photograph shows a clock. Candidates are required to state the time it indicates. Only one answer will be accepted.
2:35
